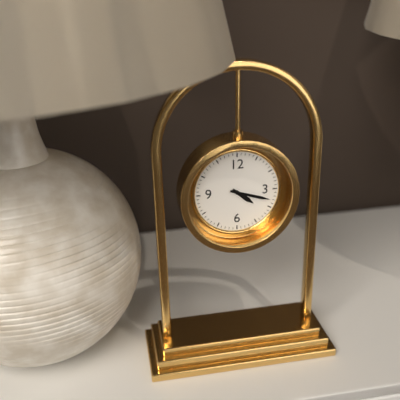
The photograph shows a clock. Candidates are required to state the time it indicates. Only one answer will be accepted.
4:18
